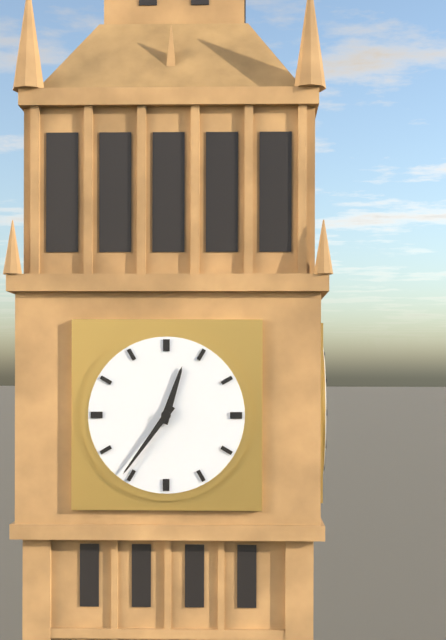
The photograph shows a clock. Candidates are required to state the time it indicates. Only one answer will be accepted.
12:36
